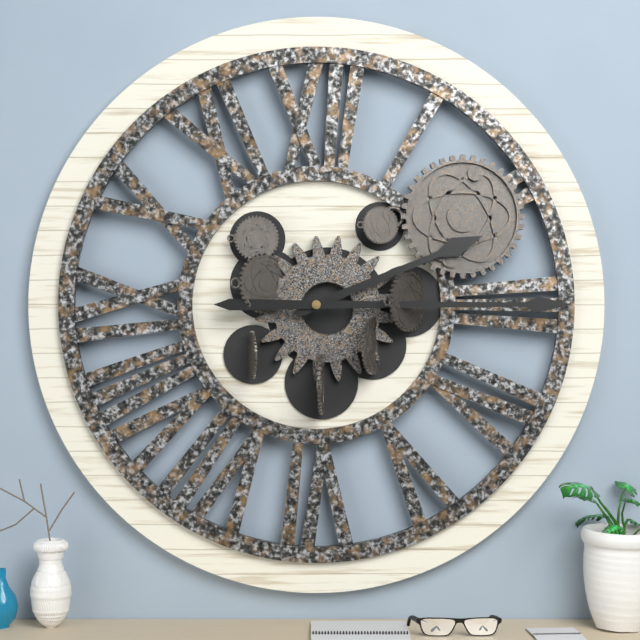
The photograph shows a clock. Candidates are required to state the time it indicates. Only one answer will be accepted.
2:15
